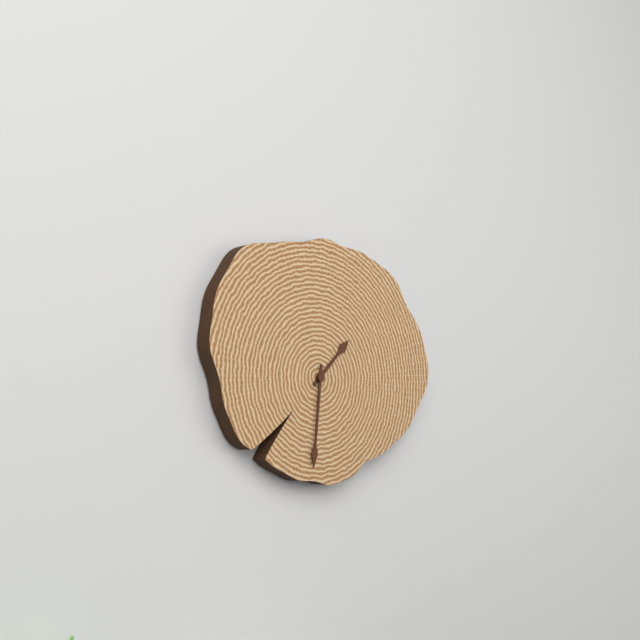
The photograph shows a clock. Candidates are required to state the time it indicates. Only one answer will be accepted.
1:31
